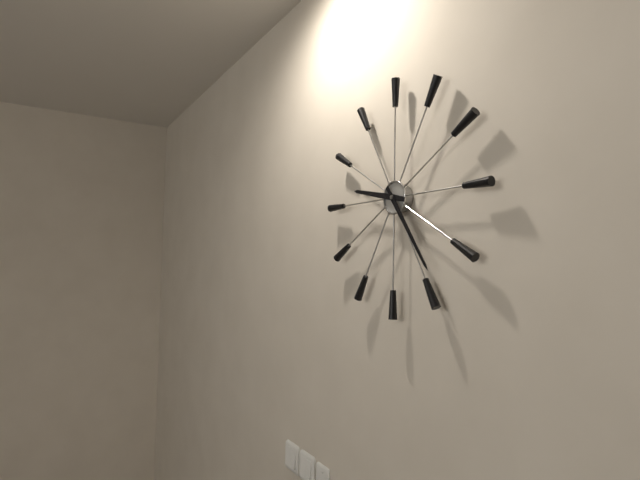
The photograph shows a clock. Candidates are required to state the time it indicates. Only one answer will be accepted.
9:24
